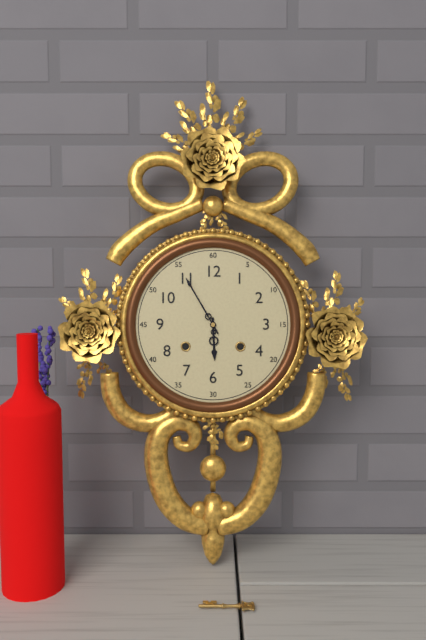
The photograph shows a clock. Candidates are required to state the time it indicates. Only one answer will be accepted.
5:55
